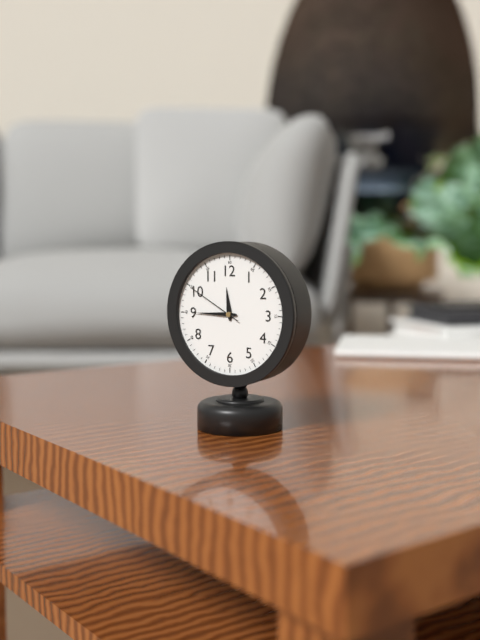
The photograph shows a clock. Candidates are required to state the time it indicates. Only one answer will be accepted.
11:45:50
